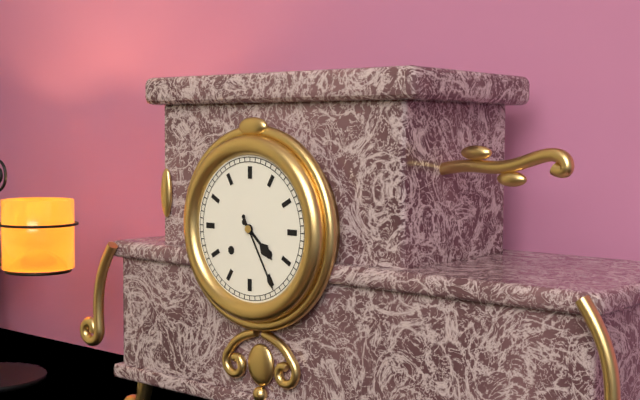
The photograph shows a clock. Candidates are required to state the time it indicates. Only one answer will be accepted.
4:25
